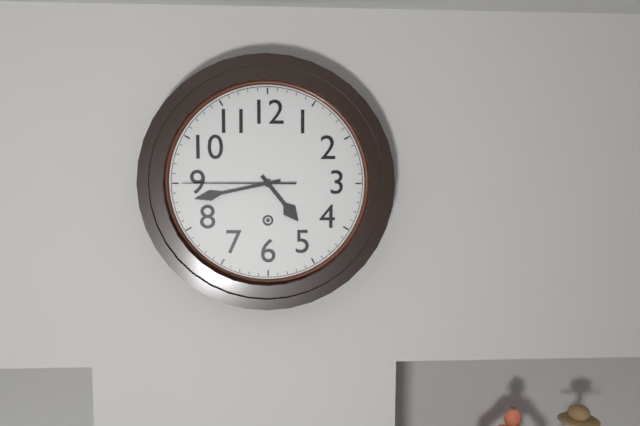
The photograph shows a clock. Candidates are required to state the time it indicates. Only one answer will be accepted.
4:43:45
